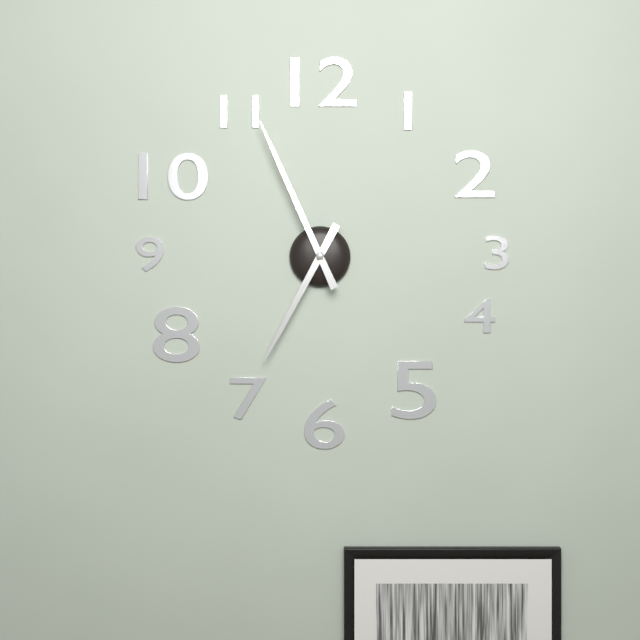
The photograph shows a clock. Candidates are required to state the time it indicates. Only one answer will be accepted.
6:56
